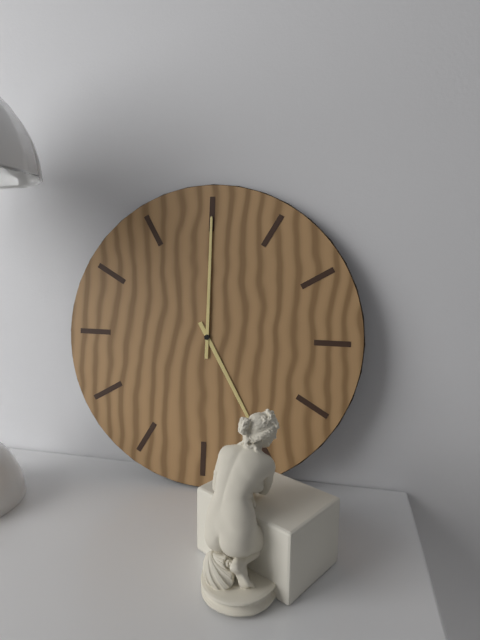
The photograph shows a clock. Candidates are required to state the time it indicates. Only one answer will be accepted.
5:00
